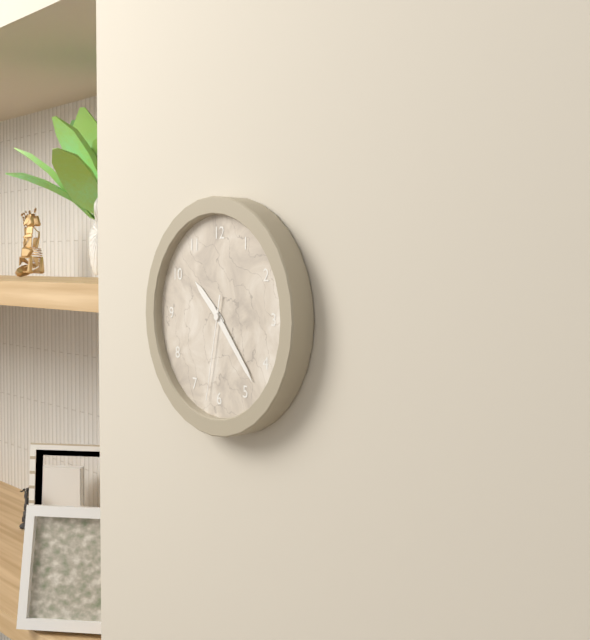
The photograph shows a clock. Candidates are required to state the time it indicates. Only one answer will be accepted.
10:23:32
